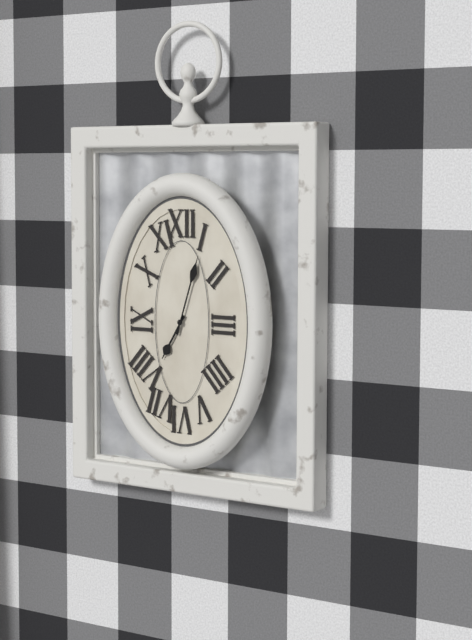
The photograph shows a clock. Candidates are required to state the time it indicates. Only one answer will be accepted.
7:03
